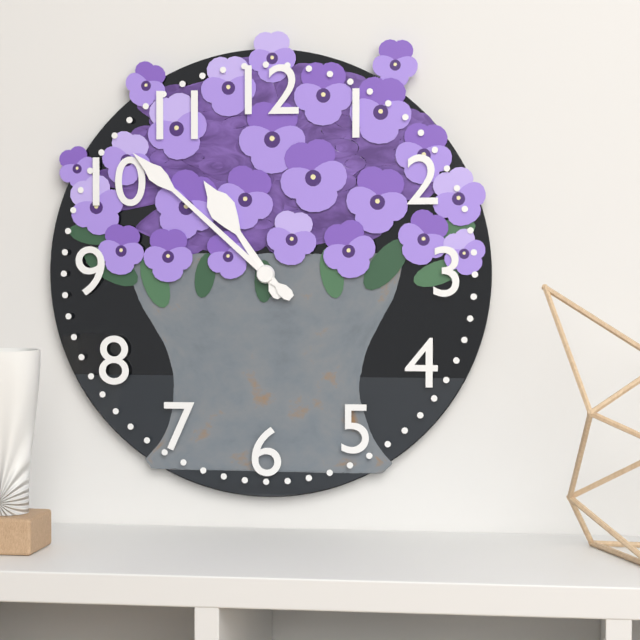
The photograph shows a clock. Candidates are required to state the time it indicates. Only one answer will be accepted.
10:52
